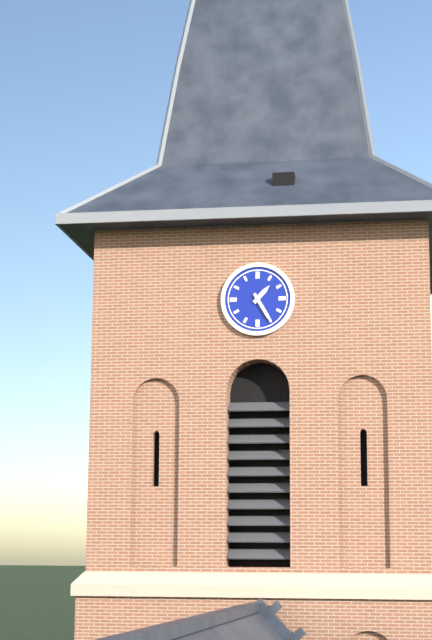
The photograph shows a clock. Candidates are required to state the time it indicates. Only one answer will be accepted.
1:25
